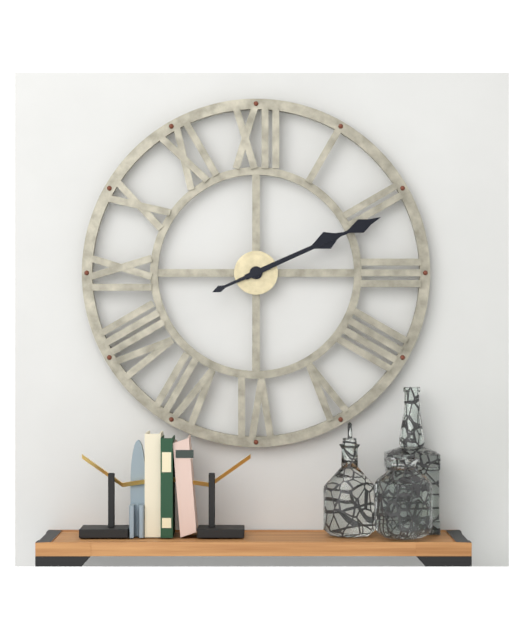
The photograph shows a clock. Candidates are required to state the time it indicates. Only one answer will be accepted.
2:11
